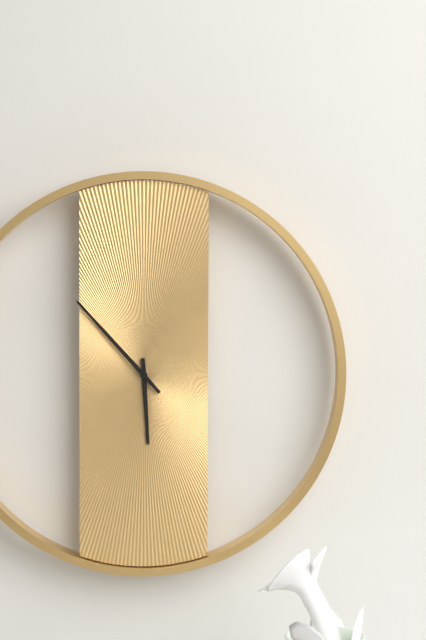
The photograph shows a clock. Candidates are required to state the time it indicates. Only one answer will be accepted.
5:53
